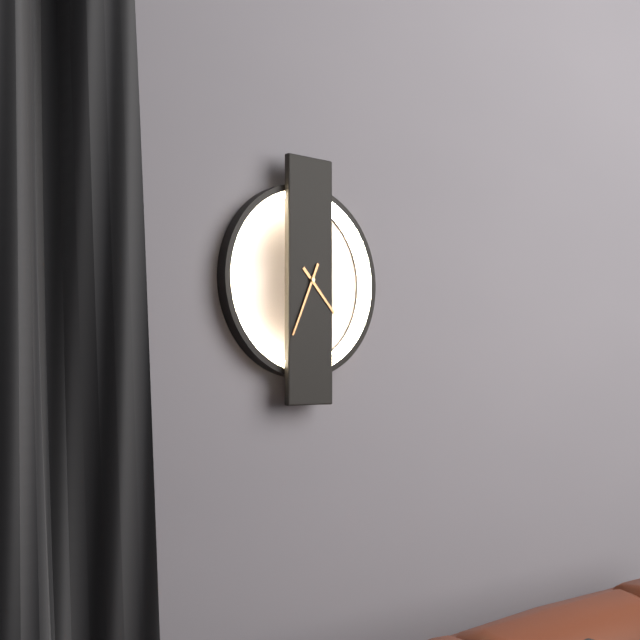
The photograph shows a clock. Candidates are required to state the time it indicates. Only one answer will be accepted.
4:34
